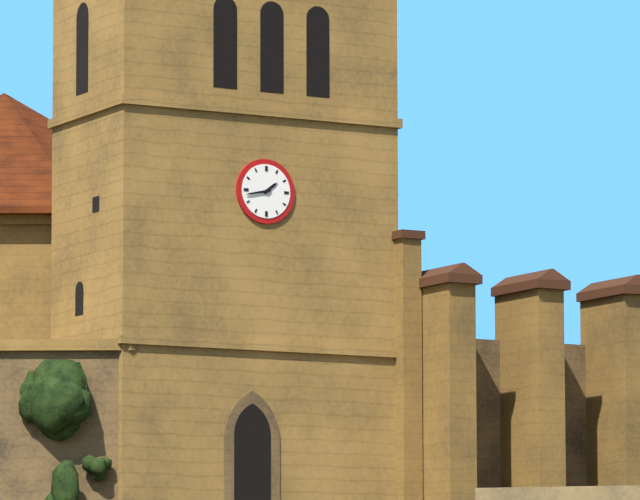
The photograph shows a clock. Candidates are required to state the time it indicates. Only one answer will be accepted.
1:43
